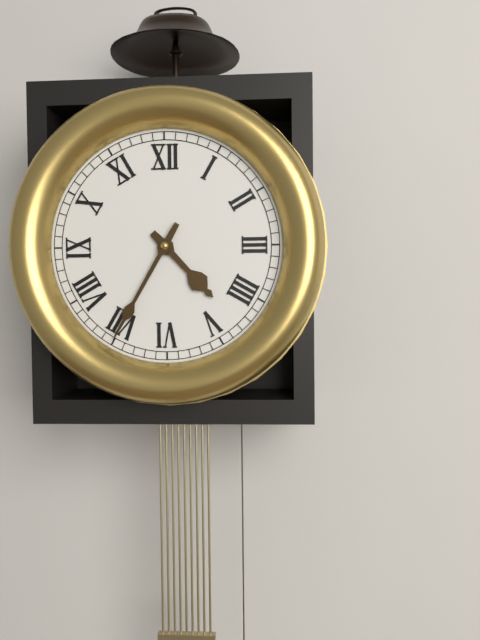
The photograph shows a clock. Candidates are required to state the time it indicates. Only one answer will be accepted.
4:35
